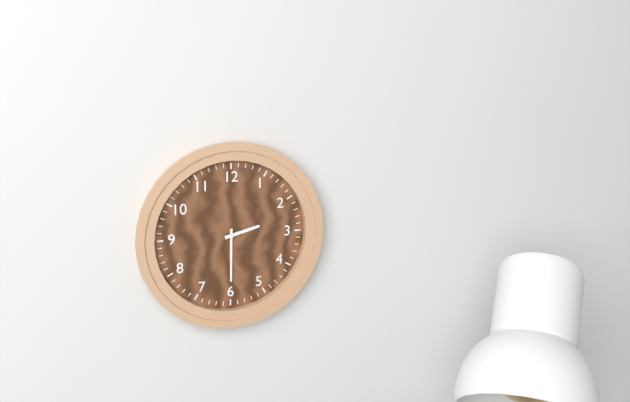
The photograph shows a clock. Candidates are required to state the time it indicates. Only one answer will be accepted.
2:30
